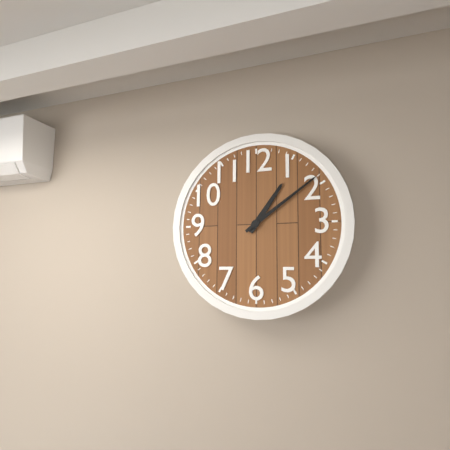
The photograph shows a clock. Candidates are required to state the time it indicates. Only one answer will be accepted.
1:09
